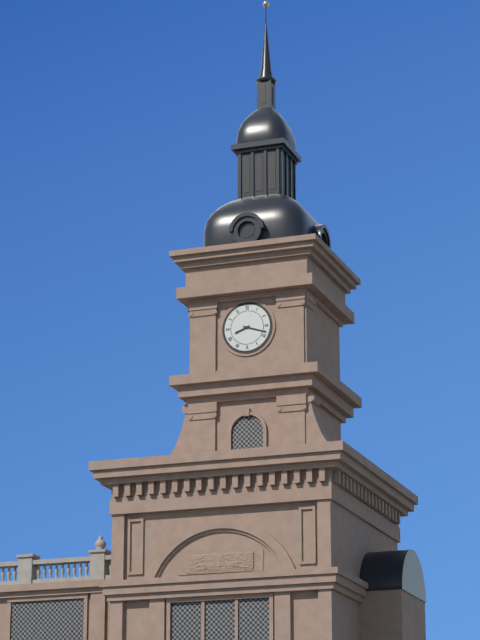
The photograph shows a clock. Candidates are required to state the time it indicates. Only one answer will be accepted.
8:18
